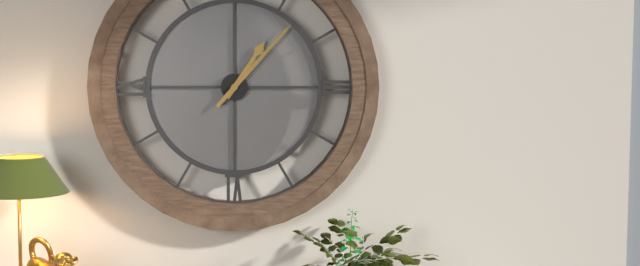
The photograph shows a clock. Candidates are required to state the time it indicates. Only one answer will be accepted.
1:07
